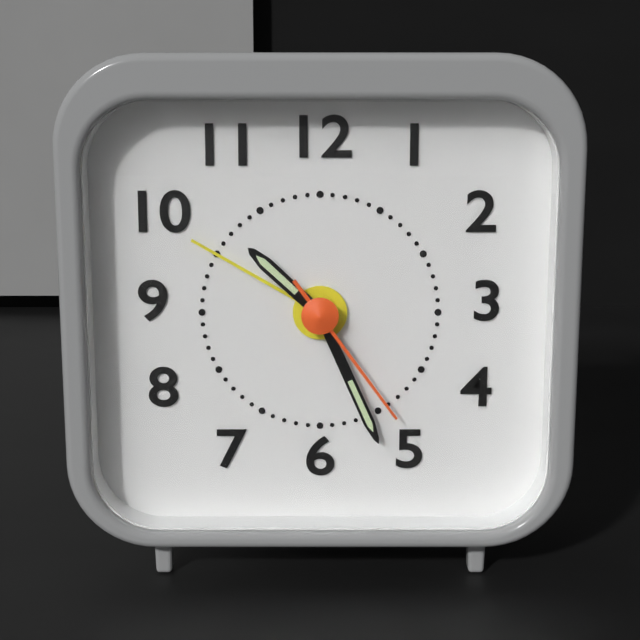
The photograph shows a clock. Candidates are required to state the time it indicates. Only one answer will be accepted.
10:26:24
